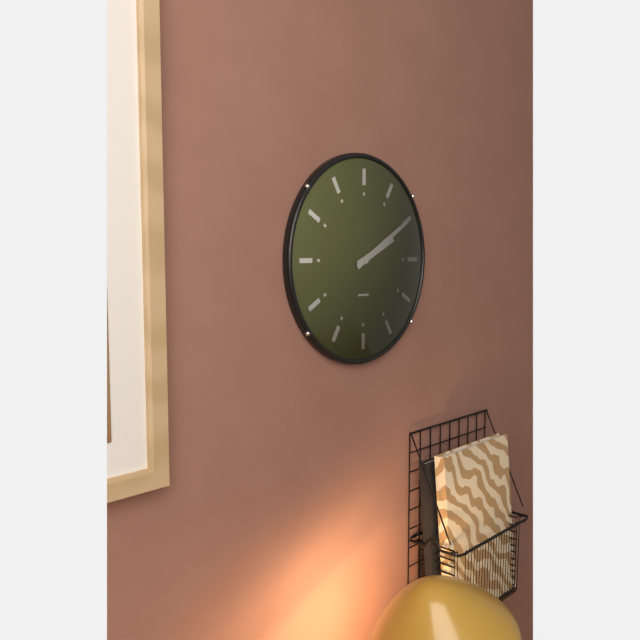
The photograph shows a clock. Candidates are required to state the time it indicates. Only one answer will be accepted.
2:10
